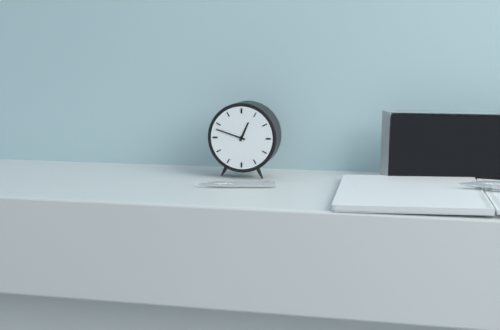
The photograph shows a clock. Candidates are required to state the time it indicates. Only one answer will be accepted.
12:48
